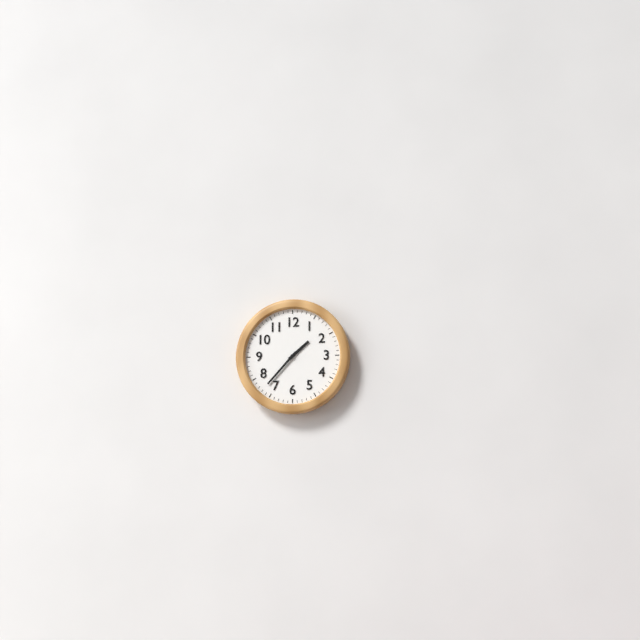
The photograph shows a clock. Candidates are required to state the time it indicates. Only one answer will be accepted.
1:37
